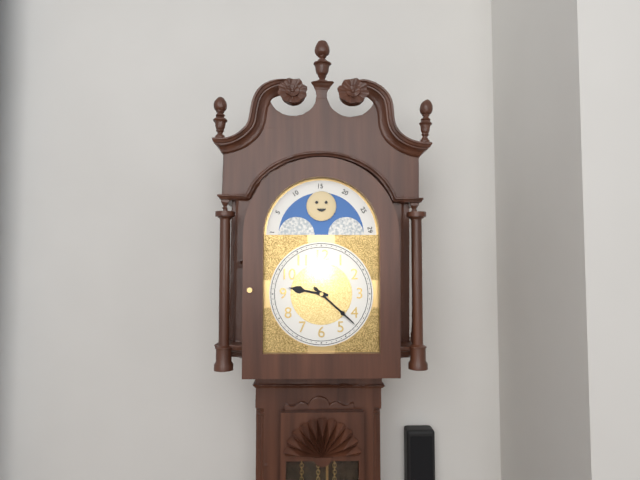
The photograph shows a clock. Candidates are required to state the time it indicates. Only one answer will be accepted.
9:22
